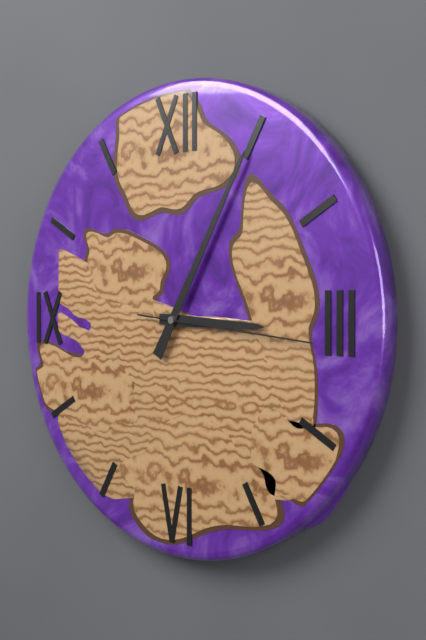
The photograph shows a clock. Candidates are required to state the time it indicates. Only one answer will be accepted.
3:05:16
